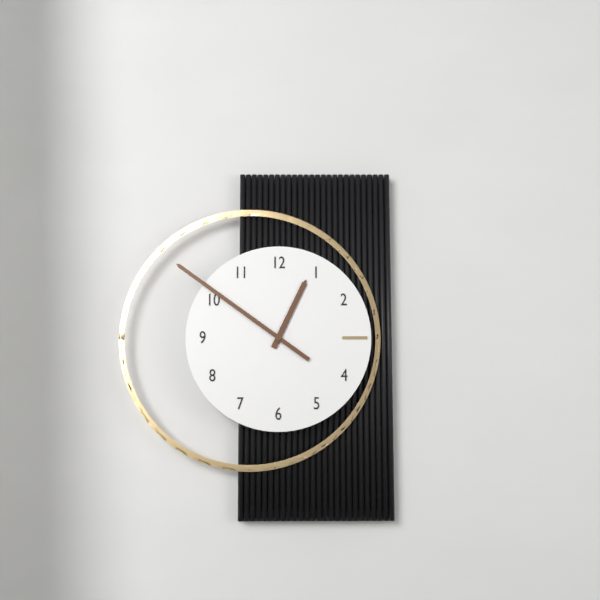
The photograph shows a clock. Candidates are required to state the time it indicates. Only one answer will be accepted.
12:51
